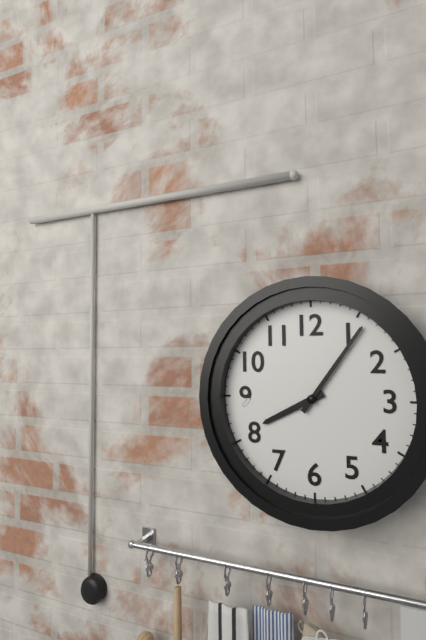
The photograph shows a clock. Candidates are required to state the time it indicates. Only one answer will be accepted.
8:06
